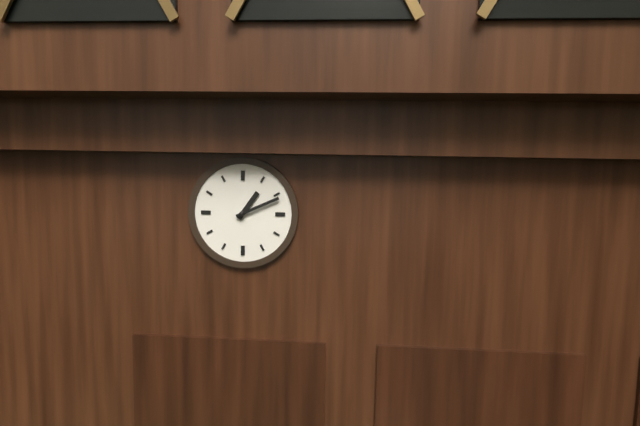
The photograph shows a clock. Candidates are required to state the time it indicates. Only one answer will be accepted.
1:11
